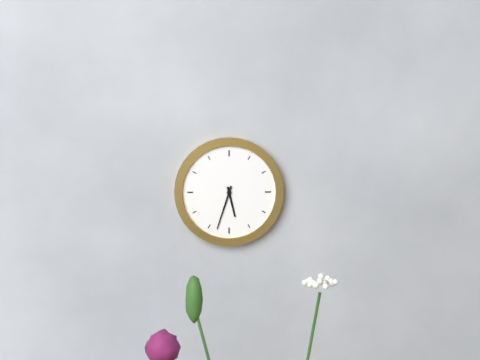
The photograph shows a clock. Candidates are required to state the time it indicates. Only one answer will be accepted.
5:33
